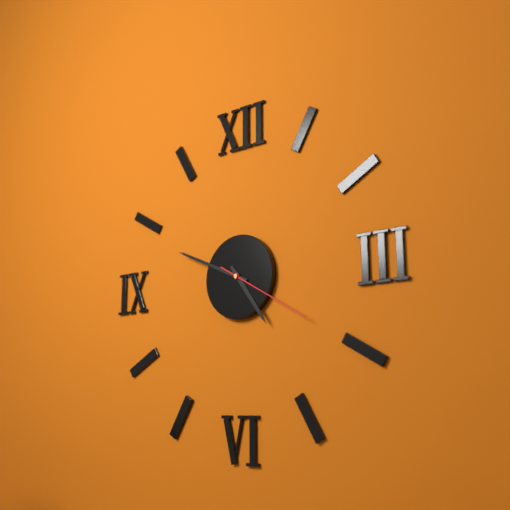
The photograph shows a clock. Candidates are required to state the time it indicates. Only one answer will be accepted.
4:49:20
